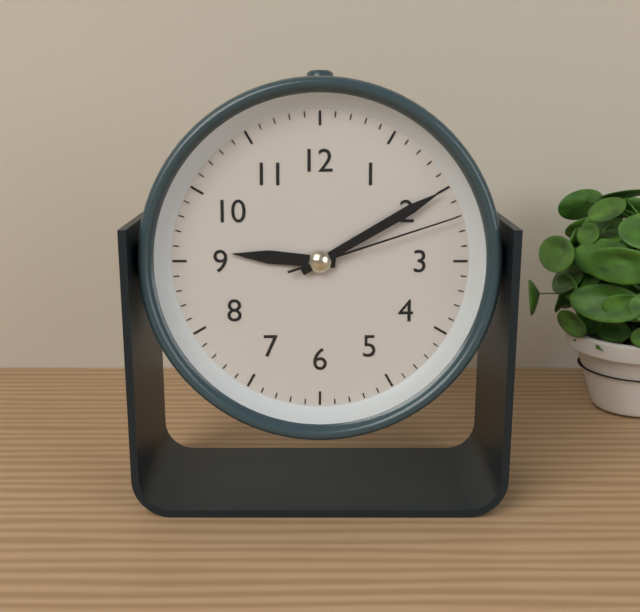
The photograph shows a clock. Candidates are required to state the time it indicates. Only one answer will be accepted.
9:10:12
